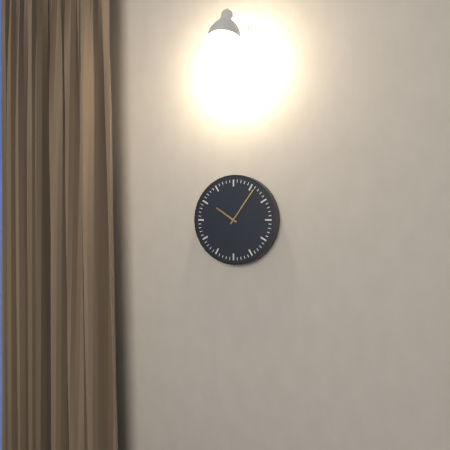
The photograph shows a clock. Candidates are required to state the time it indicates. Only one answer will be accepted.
10:06
